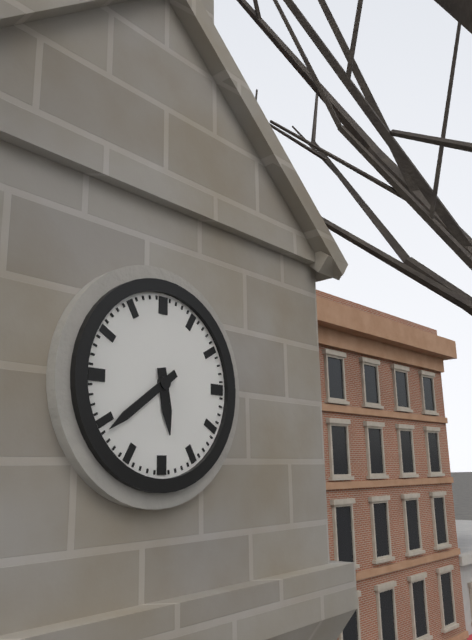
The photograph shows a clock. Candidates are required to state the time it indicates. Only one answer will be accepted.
5:39
